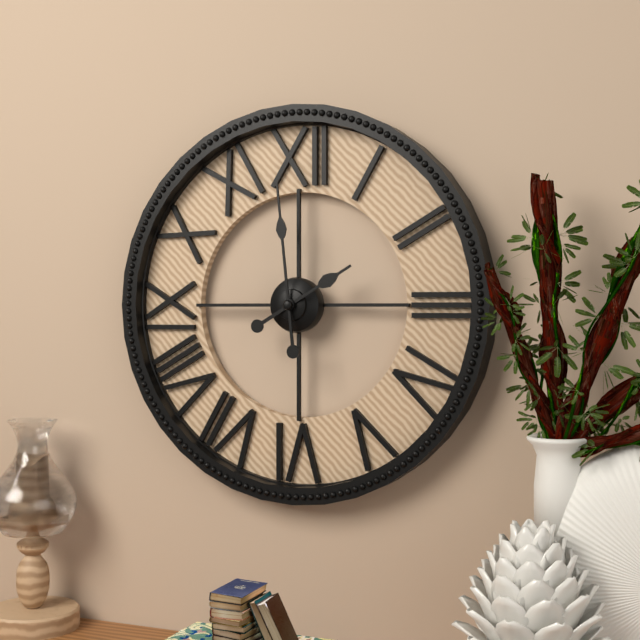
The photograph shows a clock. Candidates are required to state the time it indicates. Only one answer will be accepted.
1:59
